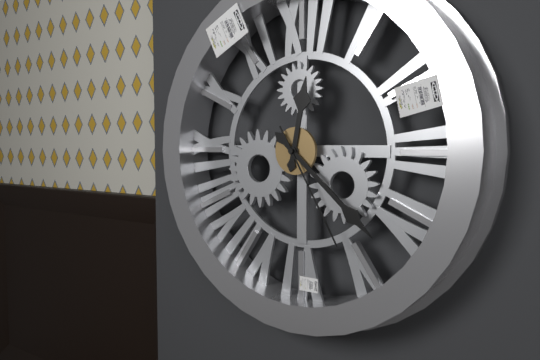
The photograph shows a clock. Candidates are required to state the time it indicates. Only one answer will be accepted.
12:22:25
